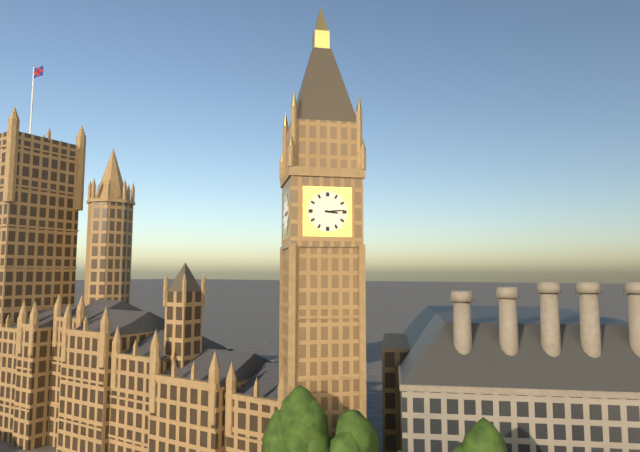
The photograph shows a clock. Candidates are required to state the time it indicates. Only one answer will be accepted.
3:14
